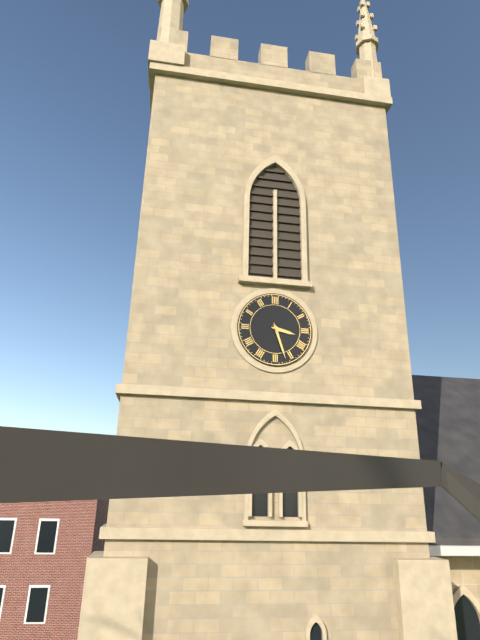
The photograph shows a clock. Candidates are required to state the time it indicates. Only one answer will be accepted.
3:27
